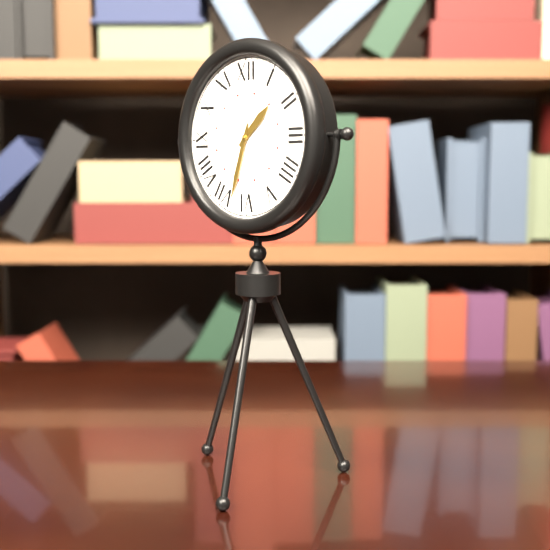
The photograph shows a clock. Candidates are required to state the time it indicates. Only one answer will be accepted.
1:33
